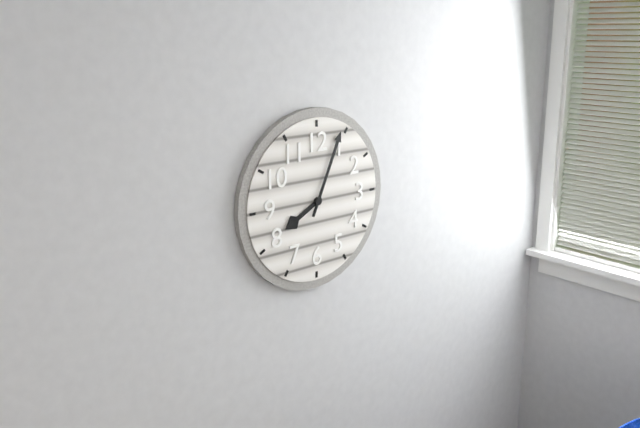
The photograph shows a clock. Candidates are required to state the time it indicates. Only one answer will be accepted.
8:04
